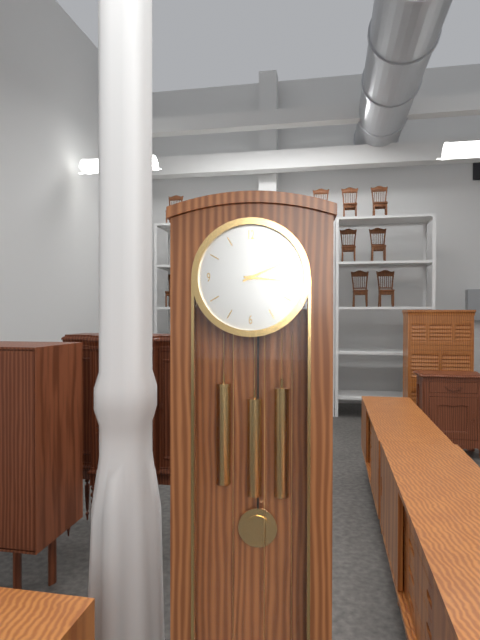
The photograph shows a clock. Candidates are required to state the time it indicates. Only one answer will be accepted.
3:11
